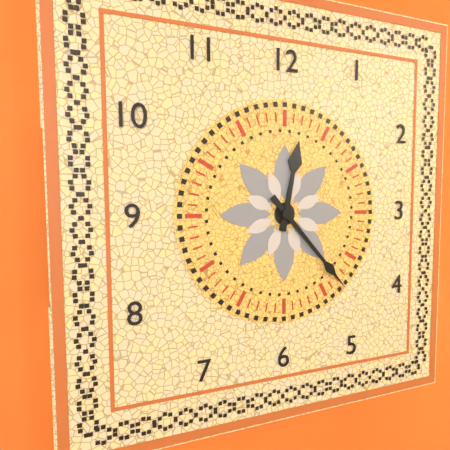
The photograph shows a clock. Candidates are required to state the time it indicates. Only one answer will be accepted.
12:23
